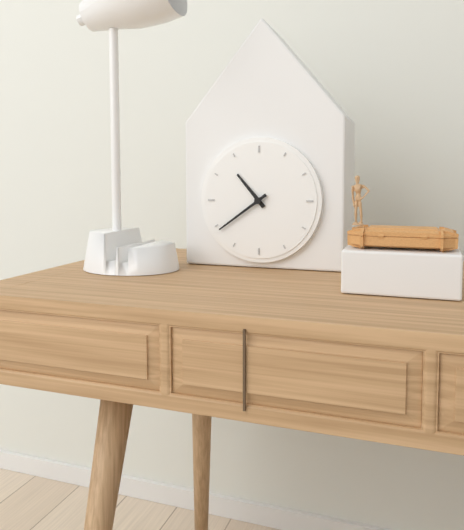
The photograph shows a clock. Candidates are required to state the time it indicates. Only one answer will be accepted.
10:39
